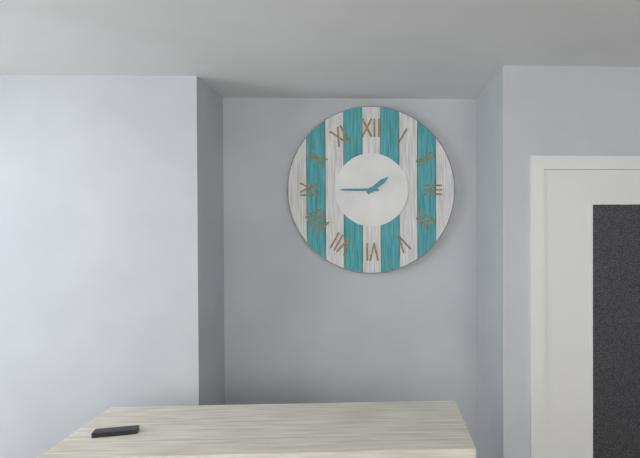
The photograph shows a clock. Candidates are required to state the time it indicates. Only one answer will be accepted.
1:45
